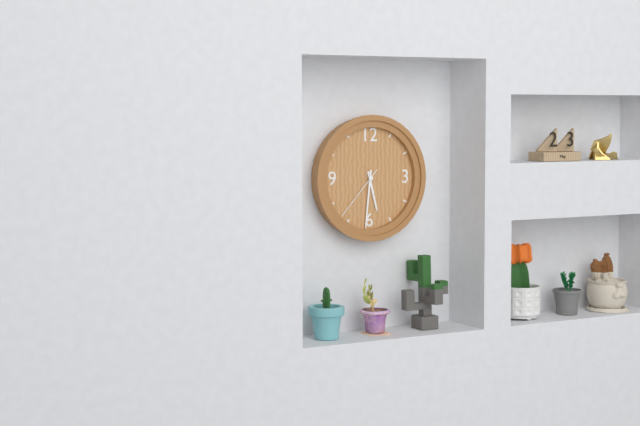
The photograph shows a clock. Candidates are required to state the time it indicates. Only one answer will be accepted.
5:31:37
